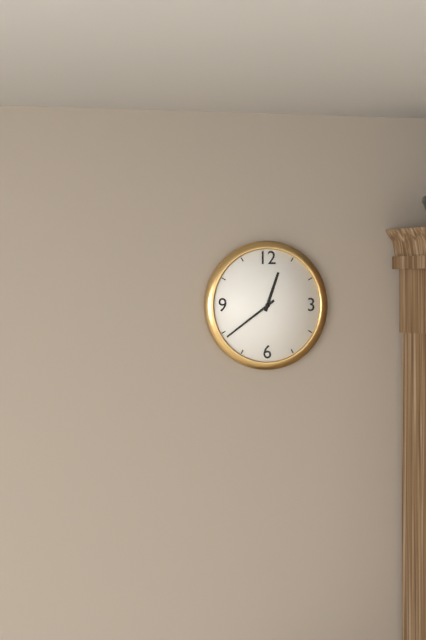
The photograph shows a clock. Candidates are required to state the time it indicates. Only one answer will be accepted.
12:39
